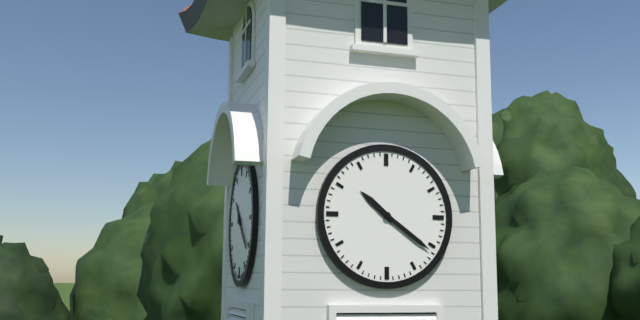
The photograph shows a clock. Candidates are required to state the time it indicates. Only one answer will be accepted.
10:21
